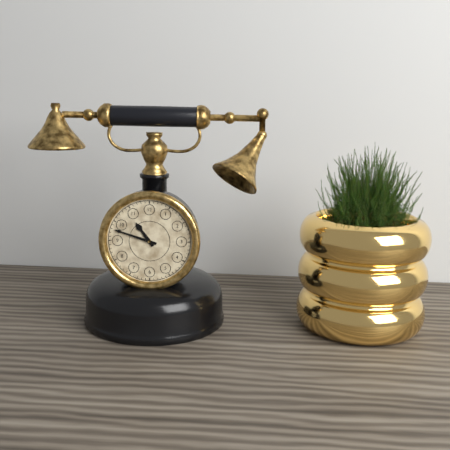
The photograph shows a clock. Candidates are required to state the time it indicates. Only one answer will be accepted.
10:48
